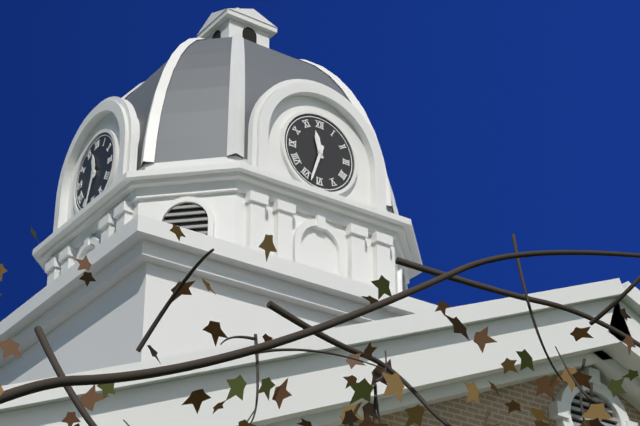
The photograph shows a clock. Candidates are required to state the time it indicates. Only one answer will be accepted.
11:33
